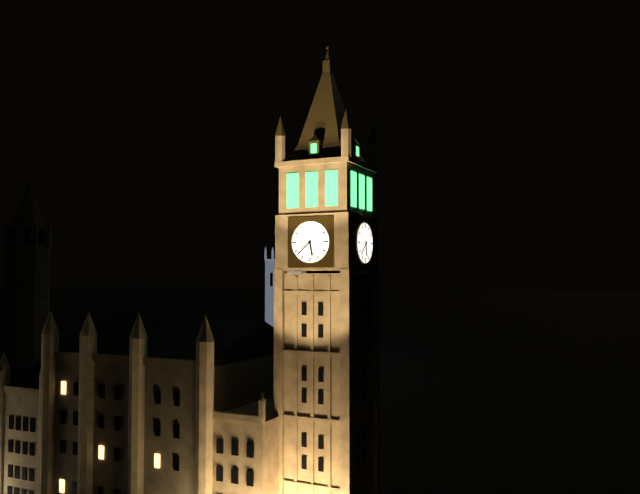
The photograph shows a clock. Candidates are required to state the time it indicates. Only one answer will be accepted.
5:38
